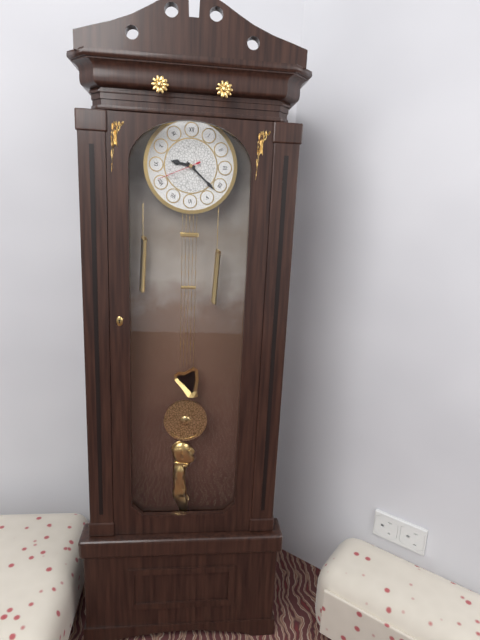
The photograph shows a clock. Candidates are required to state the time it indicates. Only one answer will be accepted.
9:22
